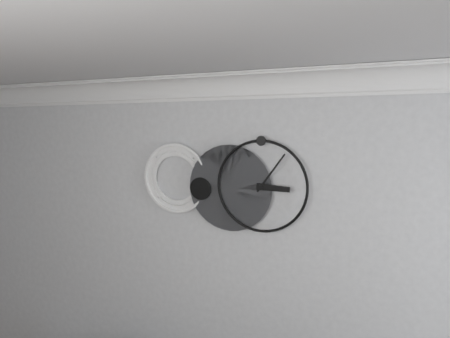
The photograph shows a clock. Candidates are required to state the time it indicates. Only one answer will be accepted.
3:06
